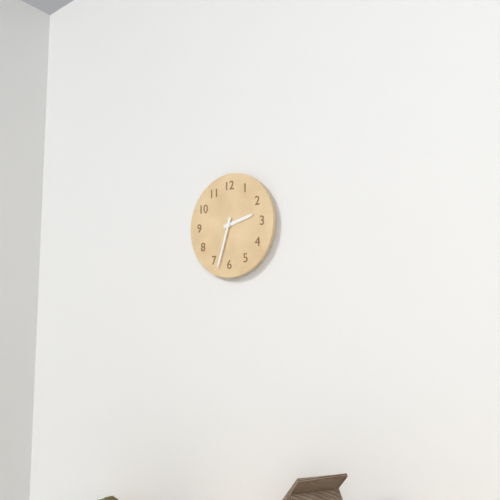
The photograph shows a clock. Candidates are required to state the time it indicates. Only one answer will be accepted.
2:33
